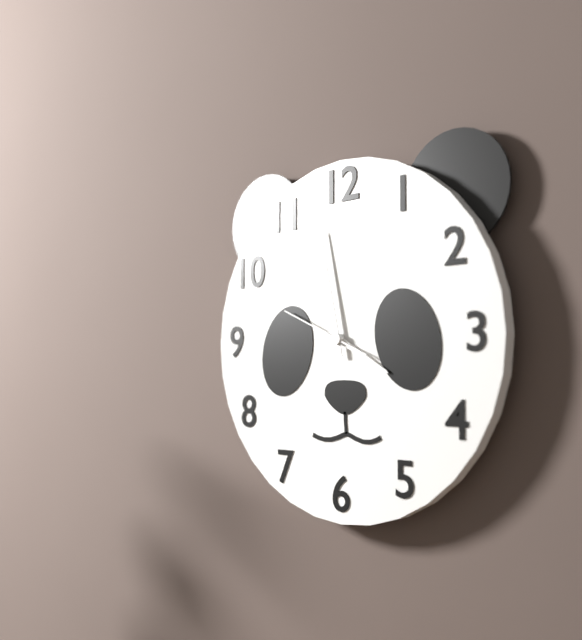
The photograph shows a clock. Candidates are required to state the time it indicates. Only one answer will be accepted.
3:58:49
